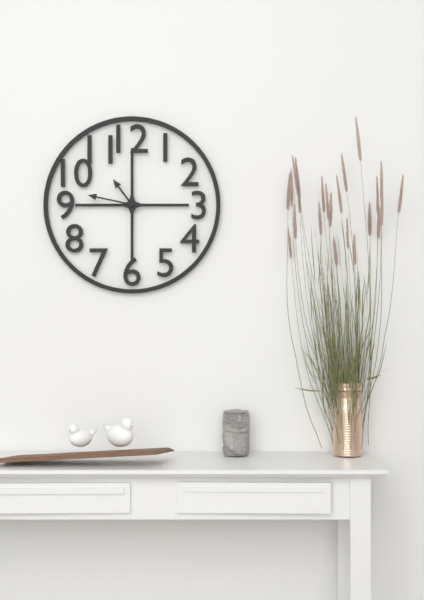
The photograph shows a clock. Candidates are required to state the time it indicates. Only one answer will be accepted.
10:47
